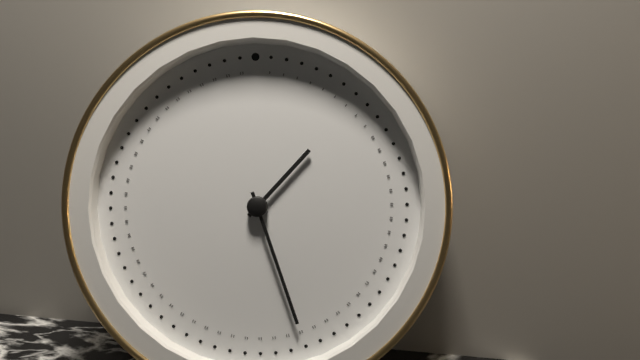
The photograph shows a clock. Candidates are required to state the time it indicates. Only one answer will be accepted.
1:27
